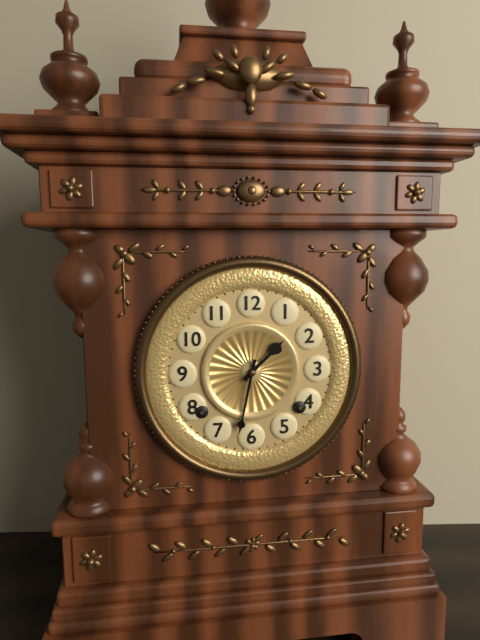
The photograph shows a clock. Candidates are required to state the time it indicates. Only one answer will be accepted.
1:32
